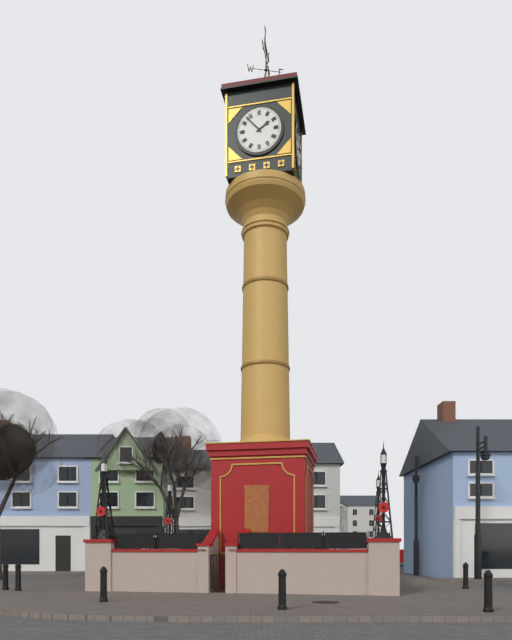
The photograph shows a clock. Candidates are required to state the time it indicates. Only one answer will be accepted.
1:53
